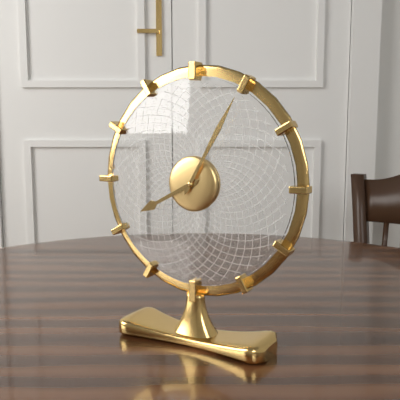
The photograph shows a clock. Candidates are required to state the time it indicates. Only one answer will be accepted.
8:05
